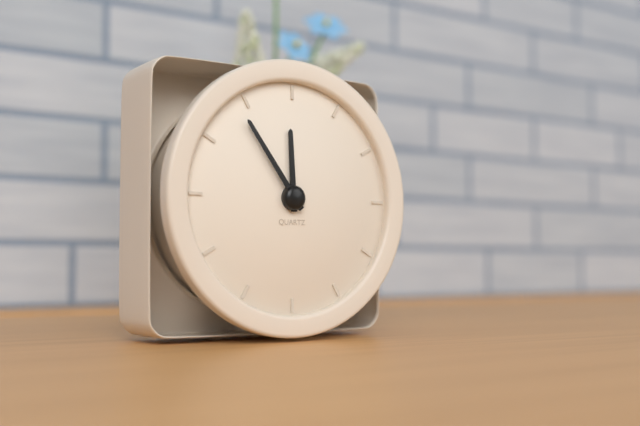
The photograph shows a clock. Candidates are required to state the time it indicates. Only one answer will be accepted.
11:54
